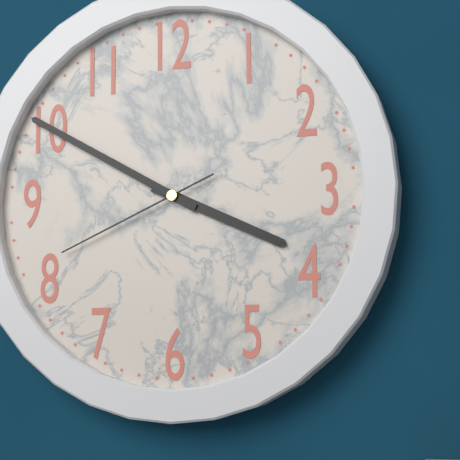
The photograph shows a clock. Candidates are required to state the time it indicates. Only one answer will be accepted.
3:50:41
